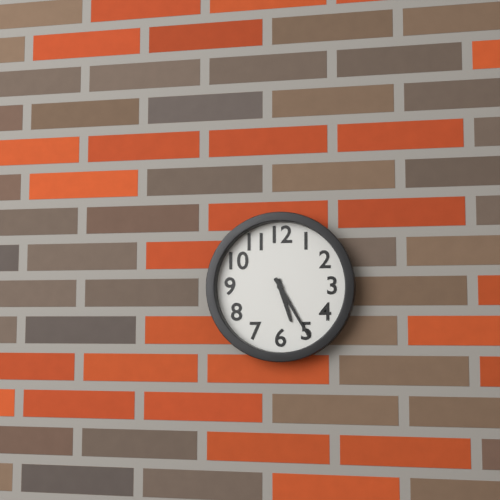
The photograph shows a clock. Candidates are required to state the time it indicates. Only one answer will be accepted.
5:25
